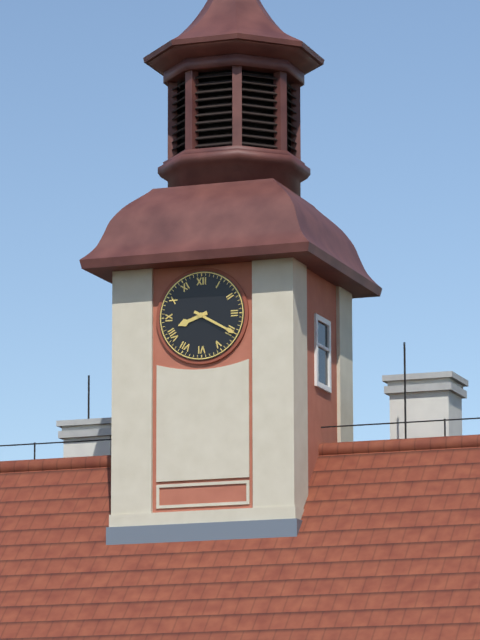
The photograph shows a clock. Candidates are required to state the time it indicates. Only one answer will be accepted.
8:20
